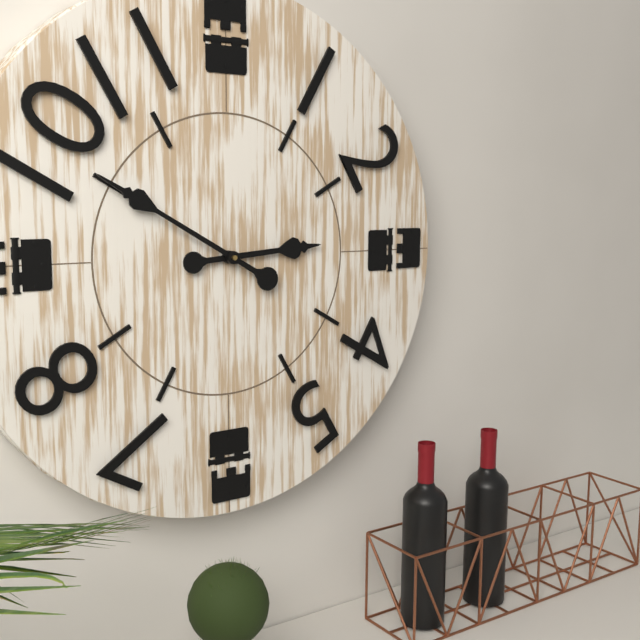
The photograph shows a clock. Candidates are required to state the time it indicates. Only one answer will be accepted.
2:50
